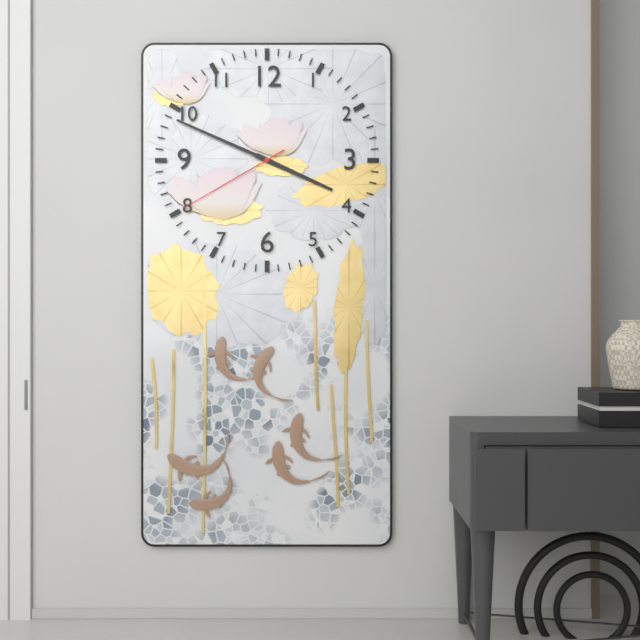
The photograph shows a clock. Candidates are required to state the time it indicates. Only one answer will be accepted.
3:49:40
